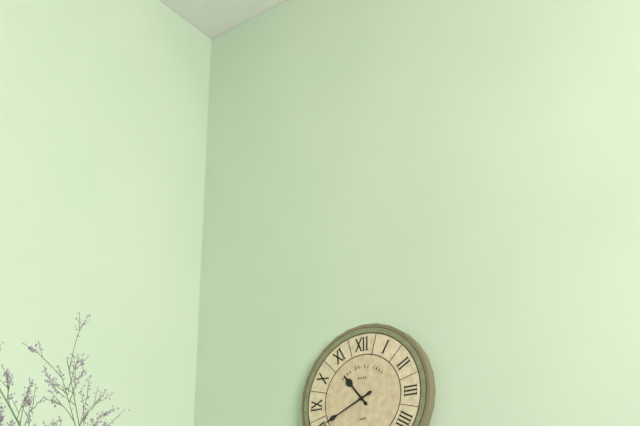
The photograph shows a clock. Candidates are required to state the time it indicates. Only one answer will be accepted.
10:41
